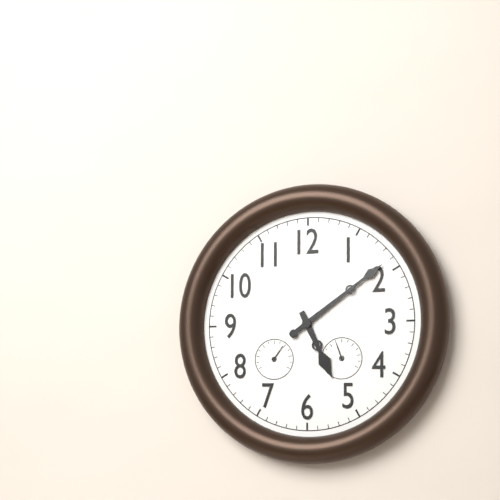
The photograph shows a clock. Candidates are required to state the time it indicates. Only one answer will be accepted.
5:09
